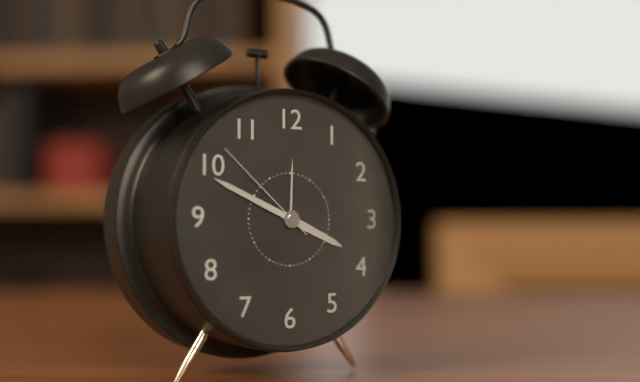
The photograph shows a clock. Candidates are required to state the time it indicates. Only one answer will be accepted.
3:49:52
